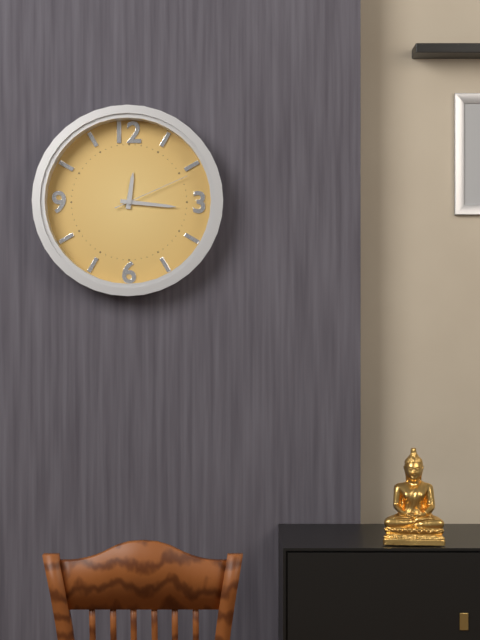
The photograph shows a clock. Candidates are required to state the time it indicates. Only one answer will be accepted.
12:16:11
